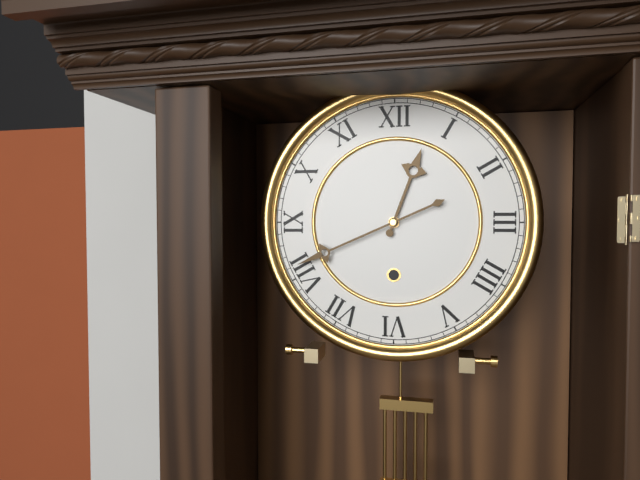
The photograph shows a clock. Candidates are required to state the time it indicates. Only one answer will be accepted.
12:41
